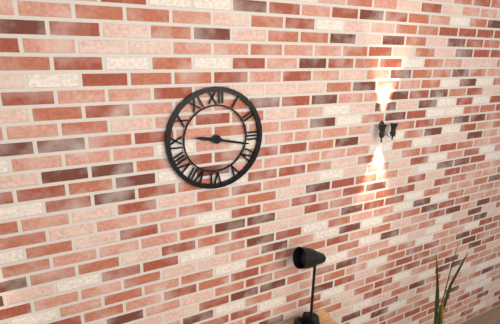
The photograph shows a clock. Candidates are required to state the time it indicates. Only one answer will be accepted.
9:17
